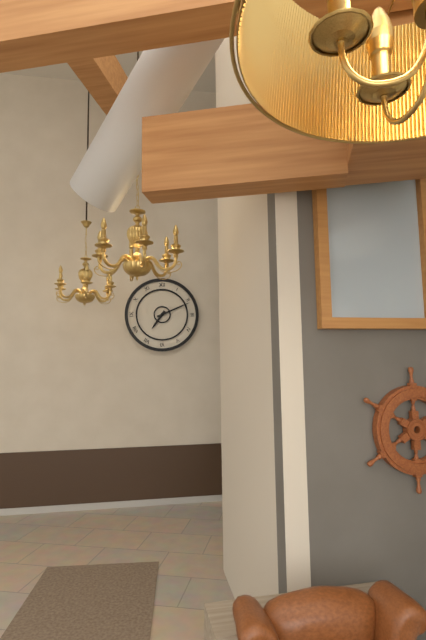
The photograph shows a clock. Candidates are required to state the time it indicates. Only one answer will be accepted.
7:11
